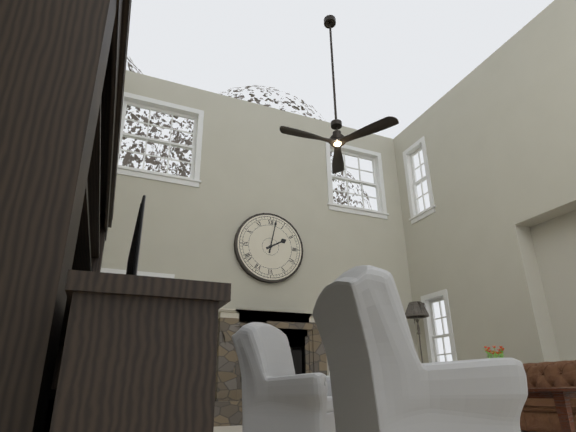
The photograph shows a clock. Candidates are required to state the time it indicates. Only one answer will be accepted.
2:02
